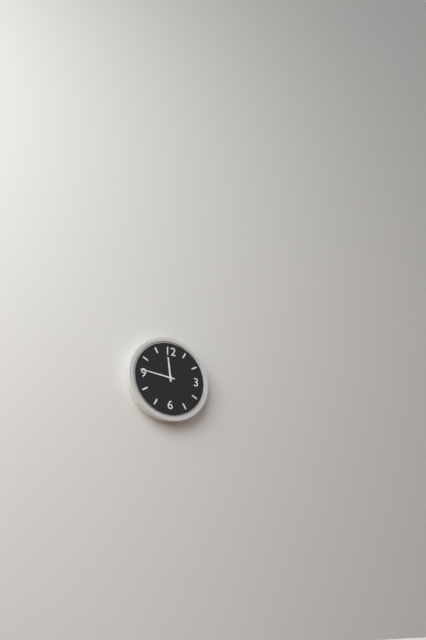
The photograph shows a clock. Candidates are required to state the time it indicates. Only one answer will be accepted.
11:46
